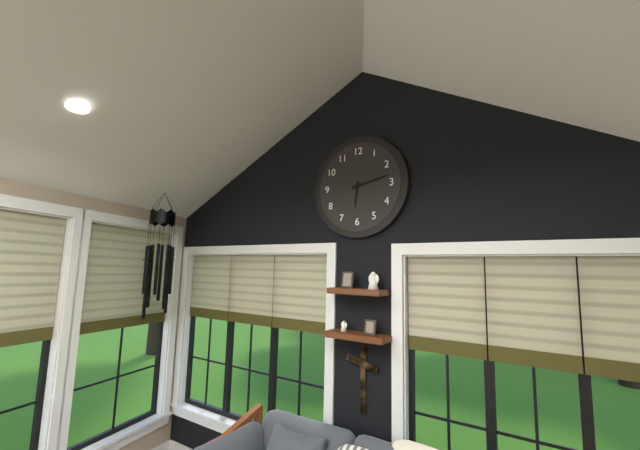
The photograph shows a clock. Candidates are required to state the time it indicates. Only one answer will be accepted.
6:13
